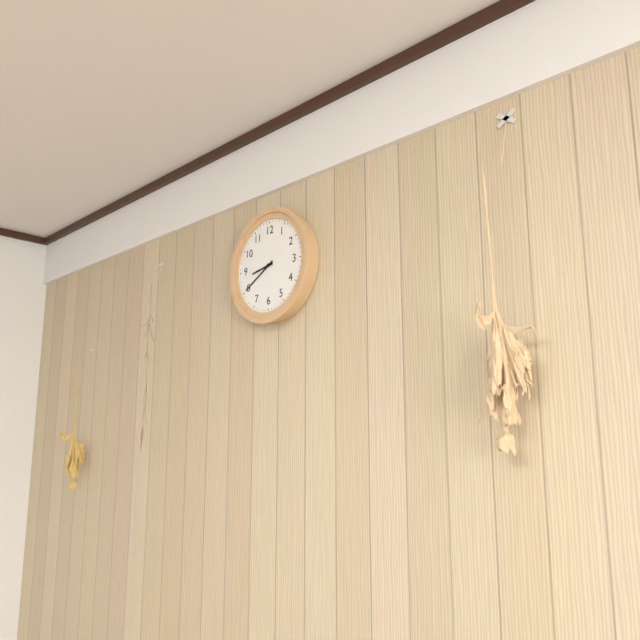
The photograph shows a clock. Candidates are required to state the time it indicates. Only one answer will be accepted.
8:40
